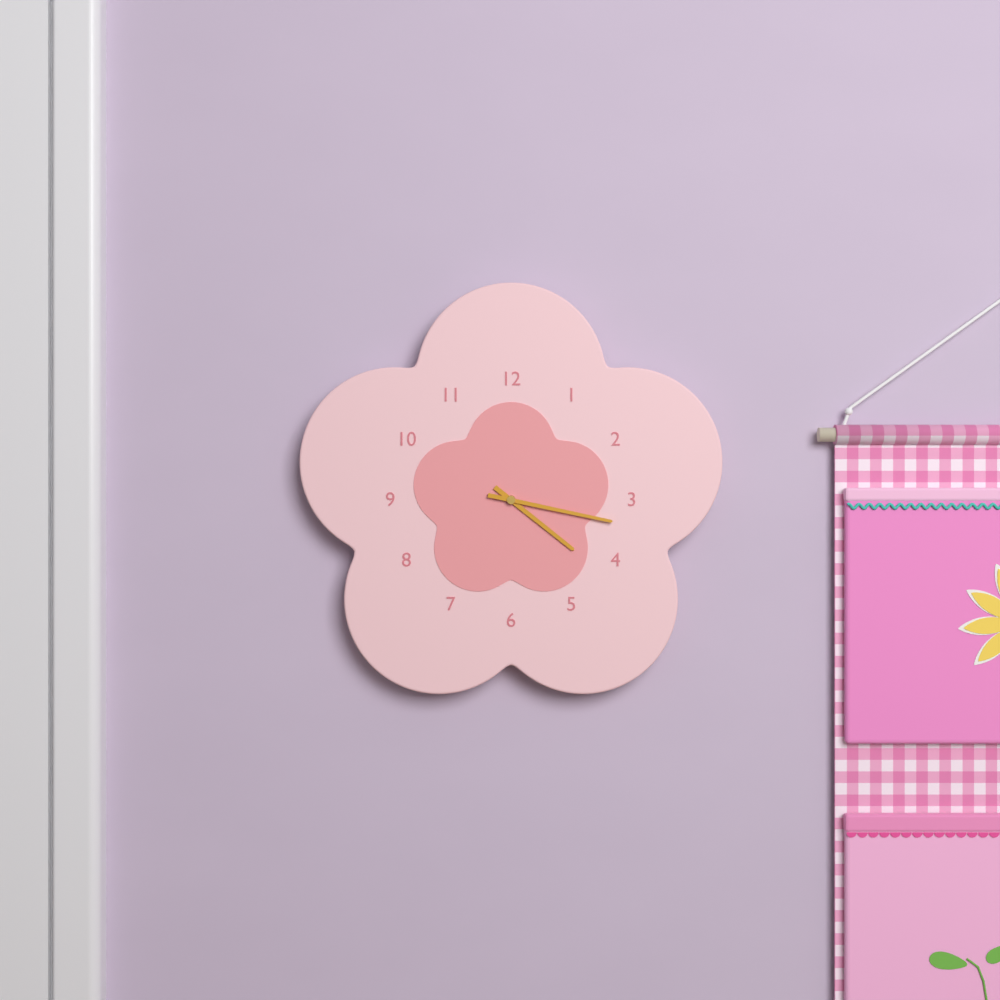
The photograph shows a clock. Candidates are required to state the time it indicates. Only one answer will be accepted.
4:17
